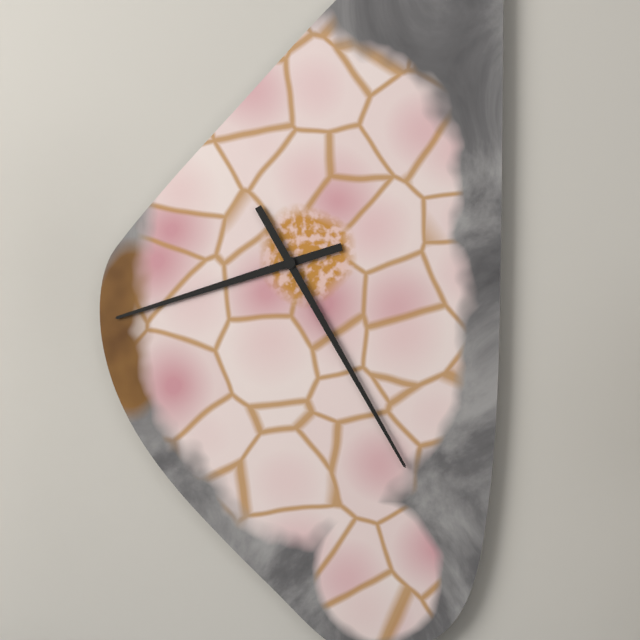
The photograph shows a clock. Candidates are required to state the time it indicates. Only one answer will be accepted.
8:25
